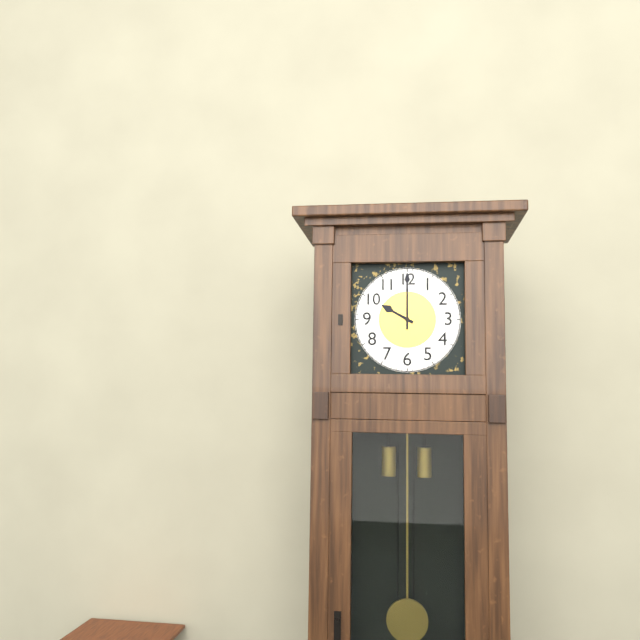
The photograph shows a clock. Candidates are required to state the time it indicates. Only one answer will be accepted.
10:00
